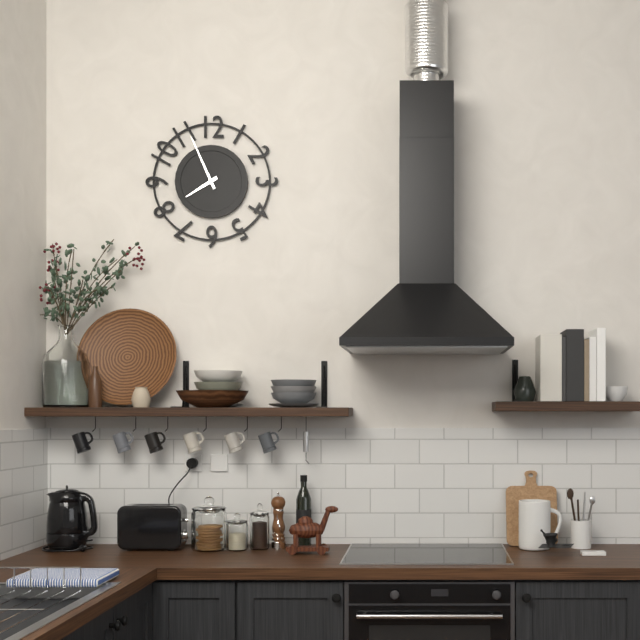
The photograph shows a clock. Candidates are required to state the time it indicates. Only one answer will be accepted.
7:56
